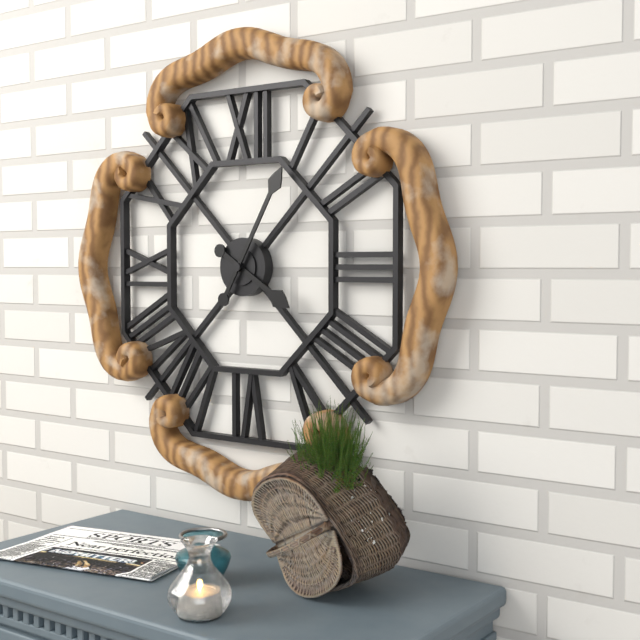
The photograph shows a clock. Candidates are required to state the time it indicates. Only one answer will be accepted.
4:05
